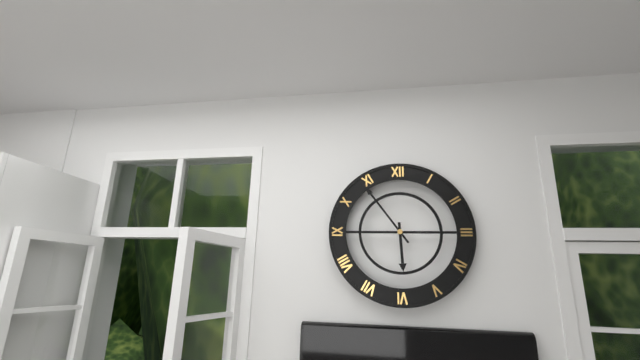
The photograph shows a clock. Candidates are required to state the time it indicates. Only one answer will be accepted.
5:54
